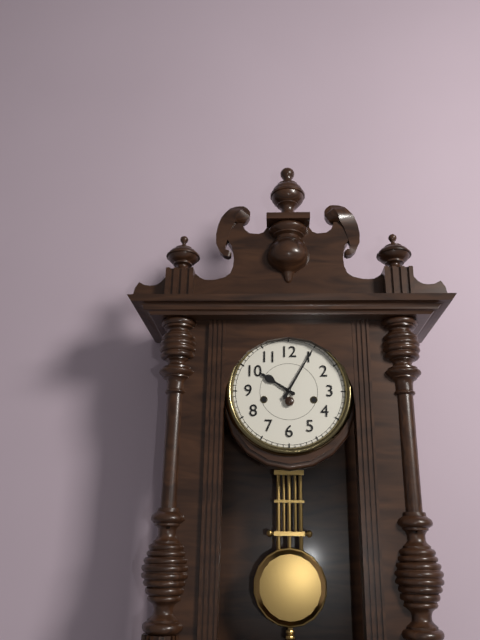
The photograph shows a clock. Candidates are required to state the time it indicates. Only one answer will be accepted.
10:05
